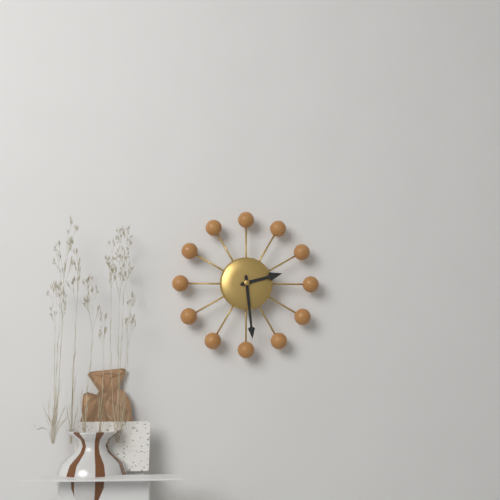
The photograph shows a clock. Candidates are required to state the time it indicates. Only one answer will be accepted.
2:29
